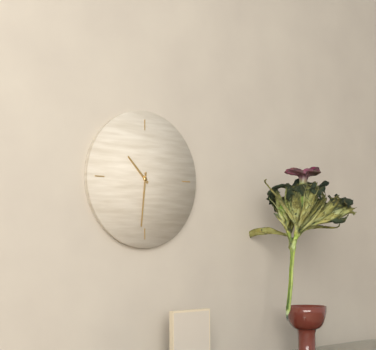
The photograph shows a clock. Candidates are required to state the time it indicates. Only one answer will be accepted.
10:31
